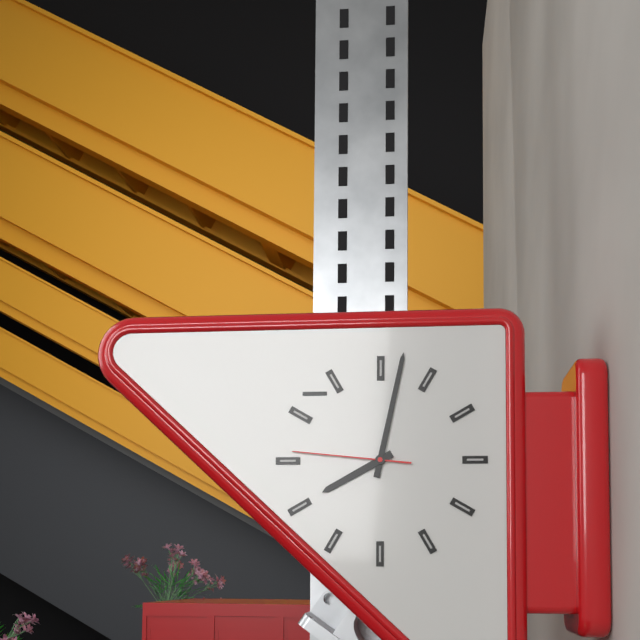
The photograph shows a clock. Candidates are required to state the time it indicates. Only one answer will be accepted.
8:02:46
